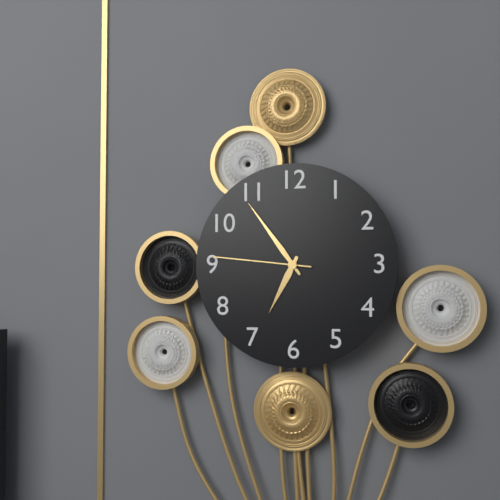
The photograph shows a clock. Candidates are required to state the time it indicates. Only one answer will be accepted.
6:54:46
